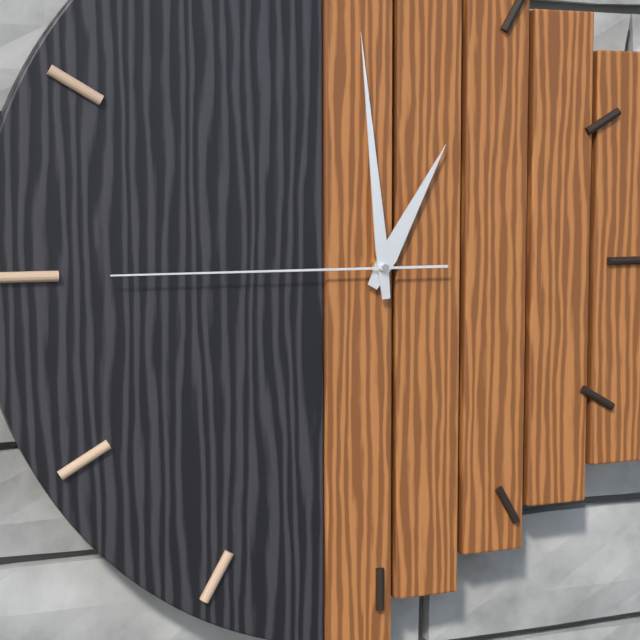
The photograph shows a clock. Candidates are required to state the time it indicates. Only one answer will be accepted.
12:59:45
